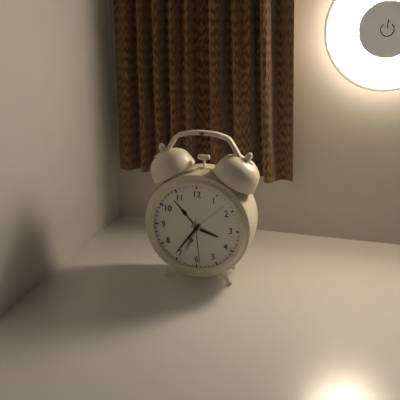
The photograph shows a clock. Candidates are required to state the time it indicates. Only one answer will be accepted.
3:36
